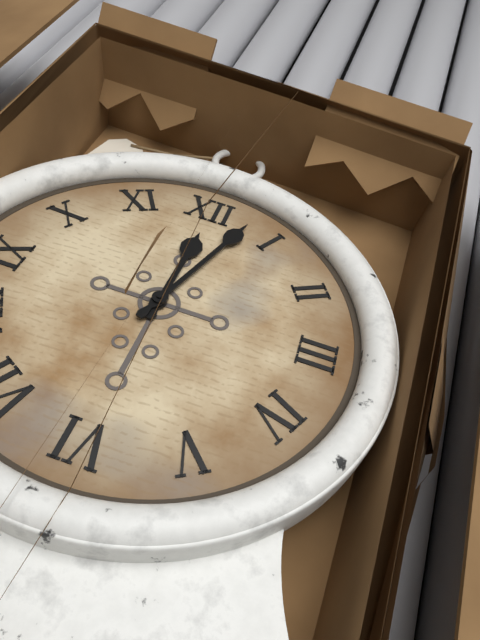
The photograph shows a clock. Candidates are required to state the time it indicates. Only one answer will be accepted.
12:03
